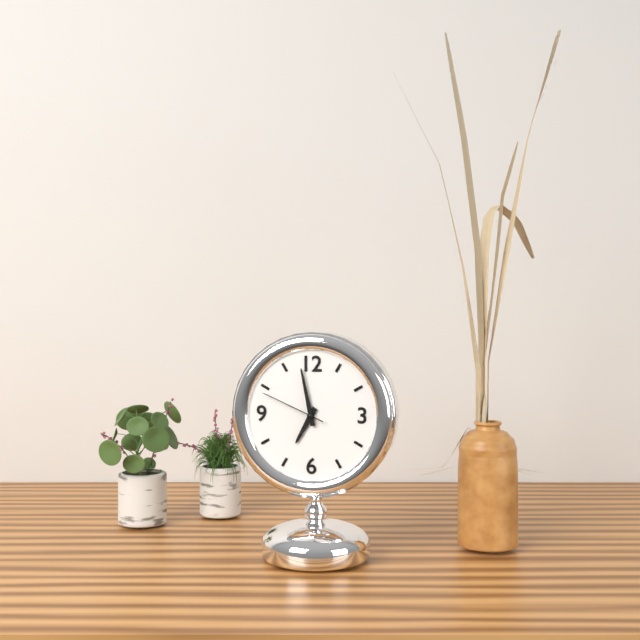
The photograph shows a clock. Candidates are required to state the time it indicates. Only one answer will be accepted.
6:58:49
